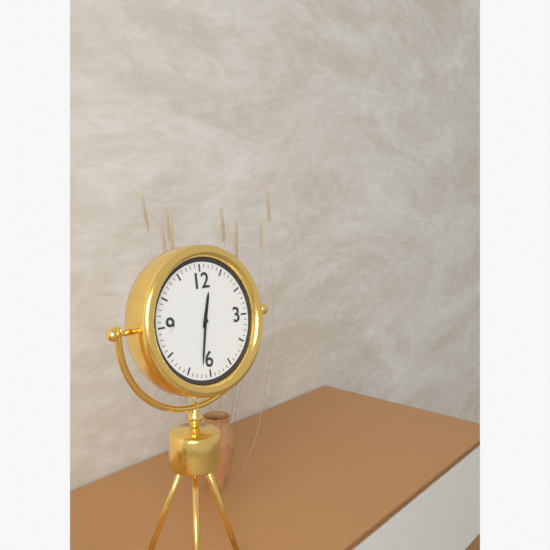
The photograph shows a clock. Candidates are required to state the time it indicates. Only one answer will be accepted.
12:32
